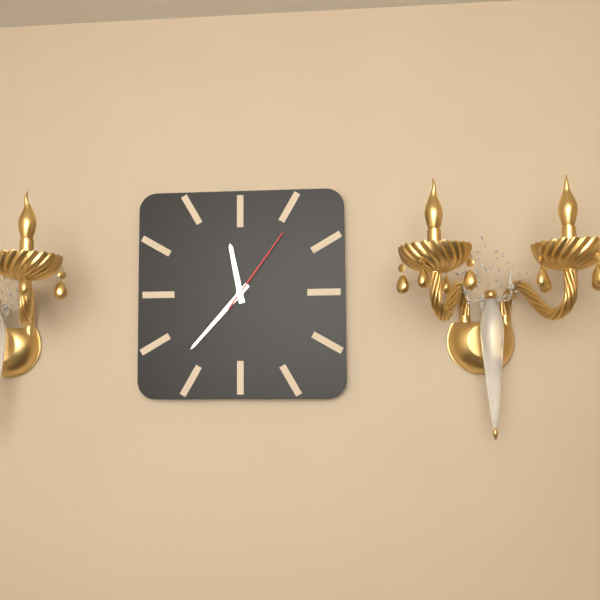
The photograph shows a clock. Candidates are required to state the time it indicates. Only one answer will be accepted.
11:37:06
